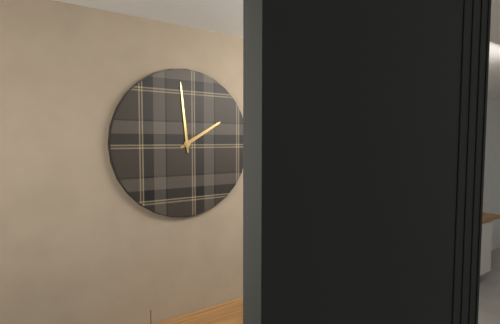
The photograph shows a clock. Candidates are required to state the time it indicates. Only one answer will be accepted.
1:59
